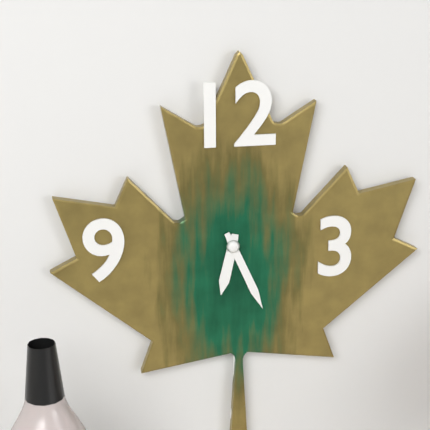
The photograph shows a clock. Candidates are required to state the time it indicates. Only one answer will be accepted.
6:26
